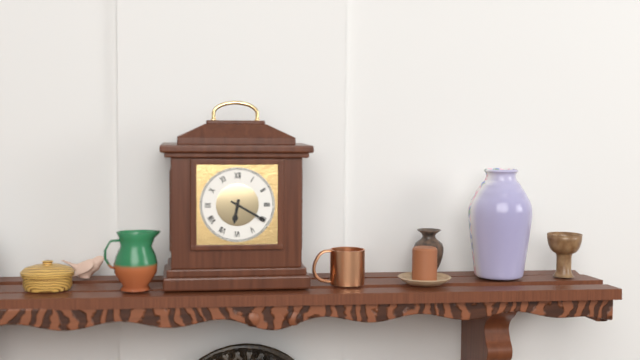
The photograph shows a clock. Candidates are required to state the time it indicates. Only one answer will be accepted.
6:20
